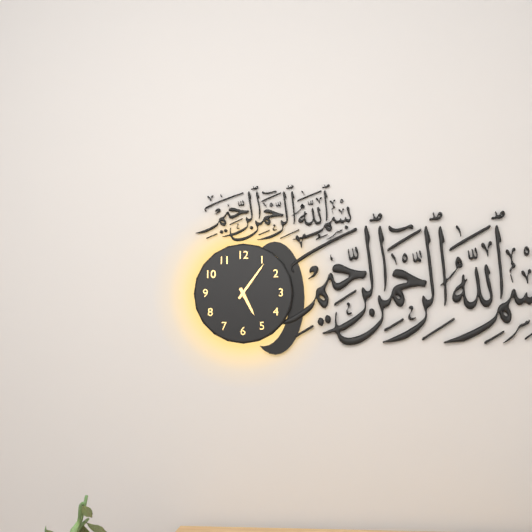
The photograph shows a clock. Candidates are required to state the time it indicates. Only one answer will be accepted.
5:06
